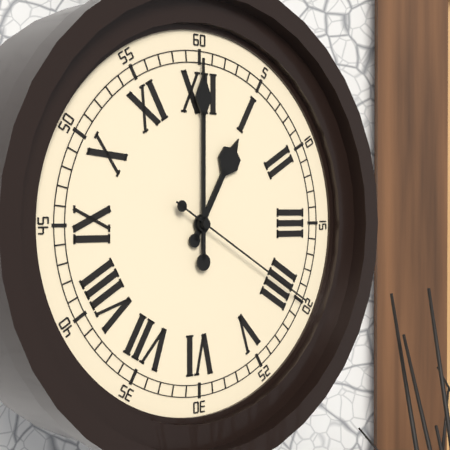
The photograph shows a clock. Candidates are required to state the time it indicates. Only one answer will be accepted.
1:00:20
